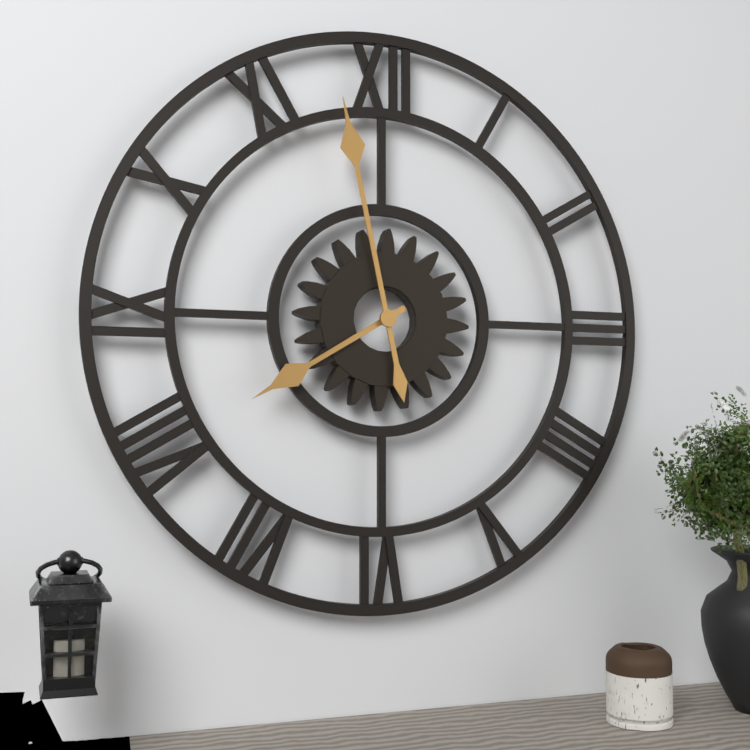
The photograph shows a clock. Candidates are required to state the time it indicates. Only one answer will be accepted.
7:58
